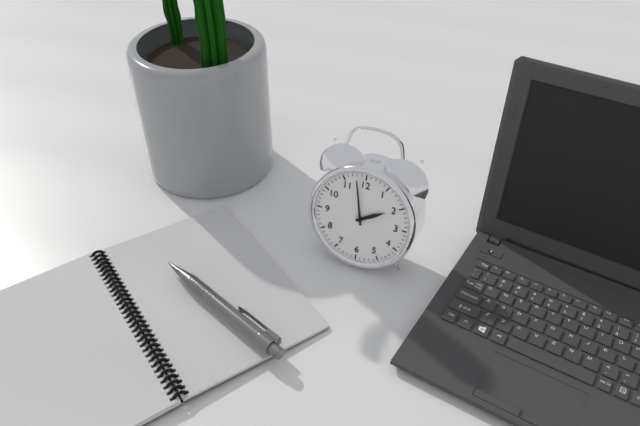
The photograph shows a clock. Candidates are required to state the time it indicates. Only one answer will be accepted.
1:58
